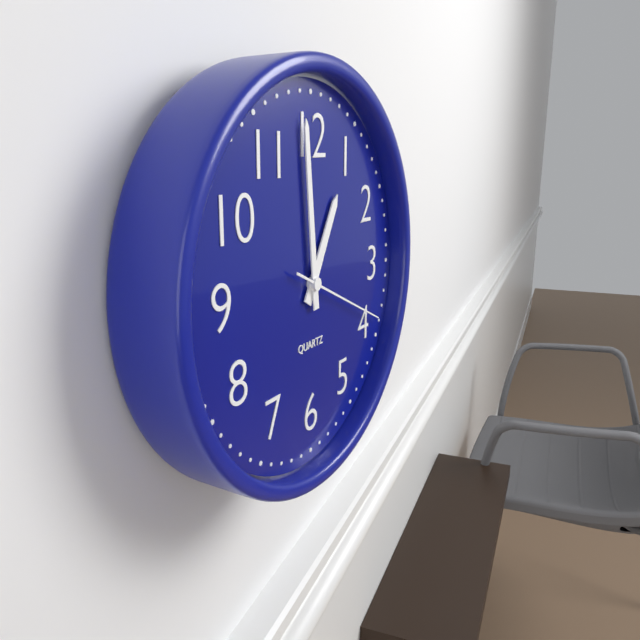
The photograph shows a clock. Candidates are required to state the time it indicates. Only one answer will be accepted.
12:59:19
